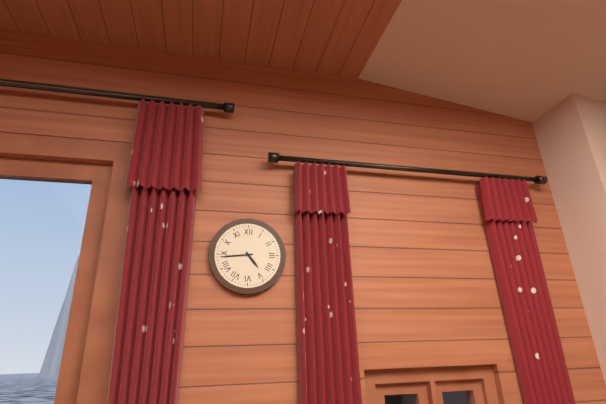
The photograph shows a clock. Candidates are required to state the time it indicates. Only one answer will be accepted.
4:44
